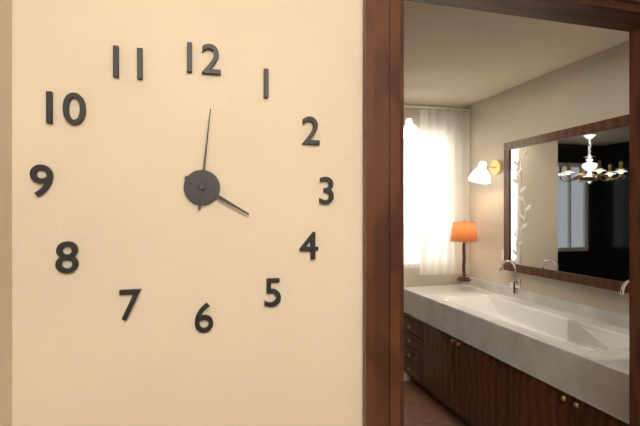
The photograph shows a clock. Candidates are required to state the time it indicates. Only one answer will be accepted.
4:01
